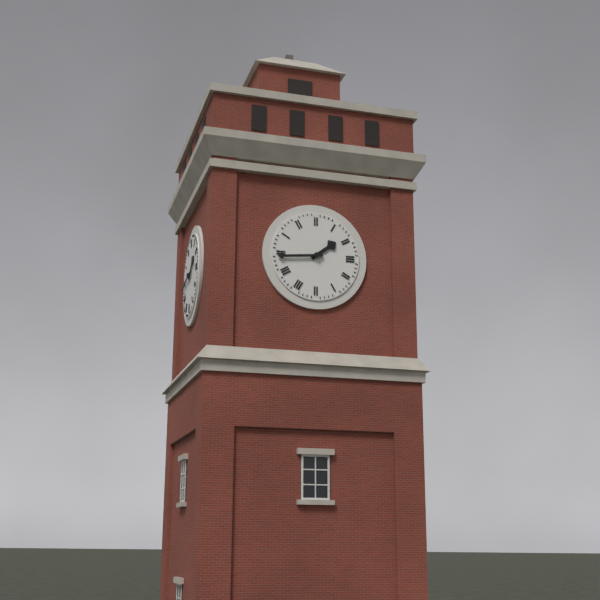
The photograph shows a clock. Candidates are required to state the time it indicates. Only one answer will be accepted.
1:44
